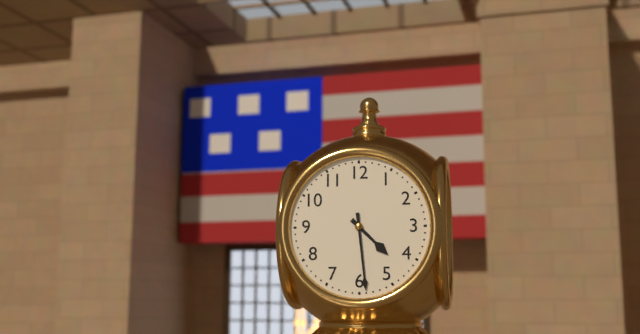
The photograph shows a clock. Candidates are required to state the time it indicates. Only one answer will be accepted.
4:29
